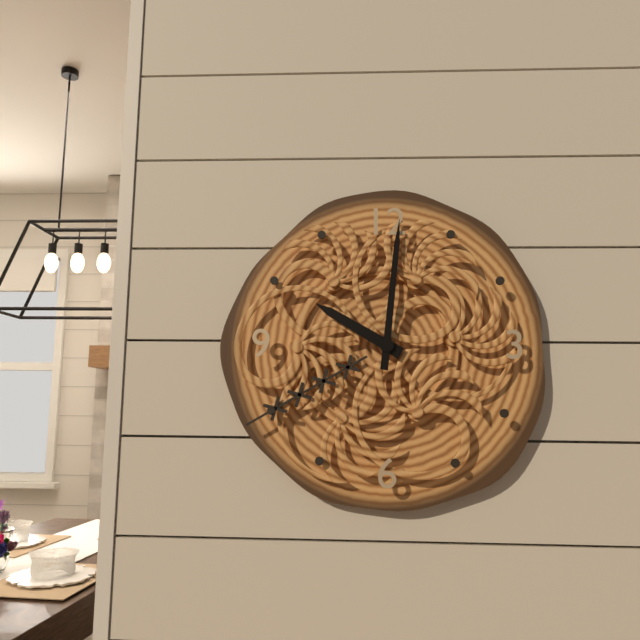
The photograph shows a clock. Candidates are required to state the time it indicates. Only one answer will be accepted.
10:01
